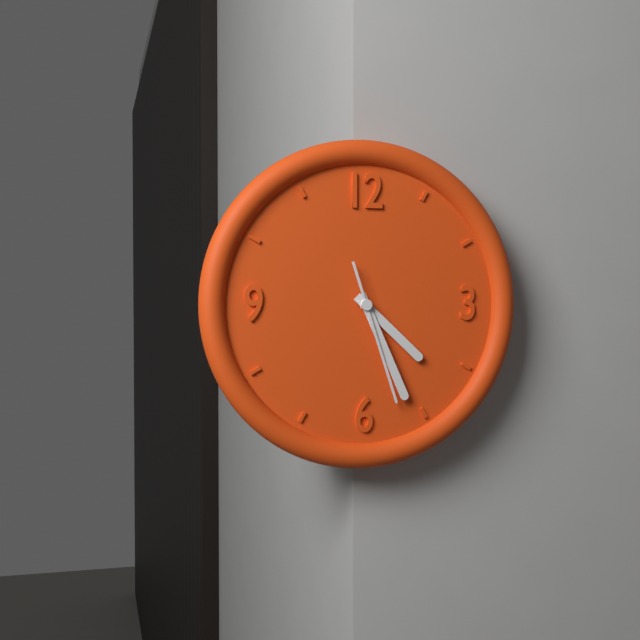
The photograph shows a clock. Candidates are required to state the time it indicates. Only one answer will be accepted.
4:26:27
